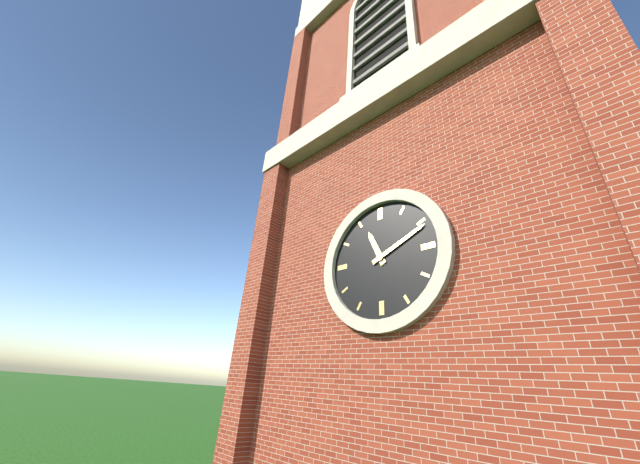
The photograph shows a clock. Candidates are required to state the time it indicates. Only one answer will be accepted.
11:11
